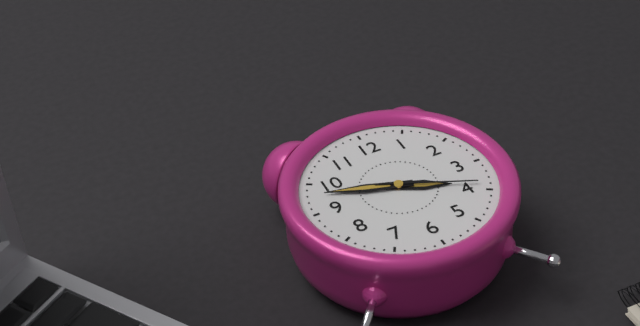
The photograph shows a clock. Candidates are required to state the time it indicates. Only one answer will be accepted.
3:48:19
